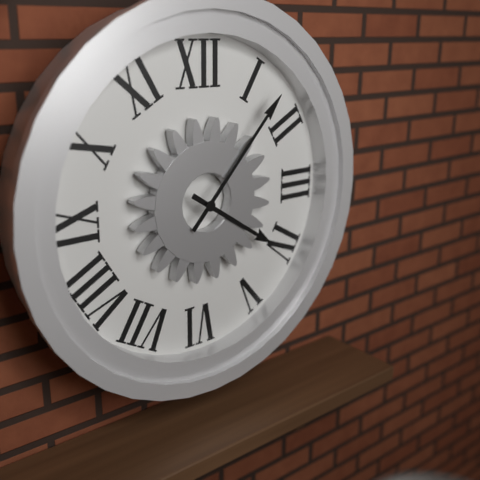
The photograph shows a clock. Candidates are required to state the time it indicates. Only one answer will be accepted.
4:07
